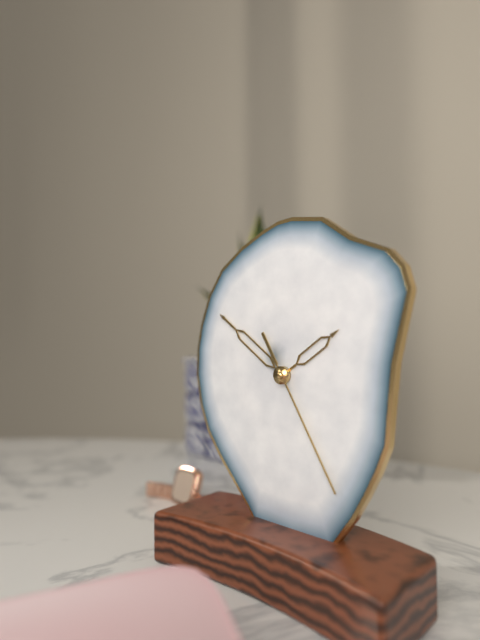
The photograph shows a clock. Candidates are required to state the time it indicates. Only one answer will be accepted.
1:51:25
